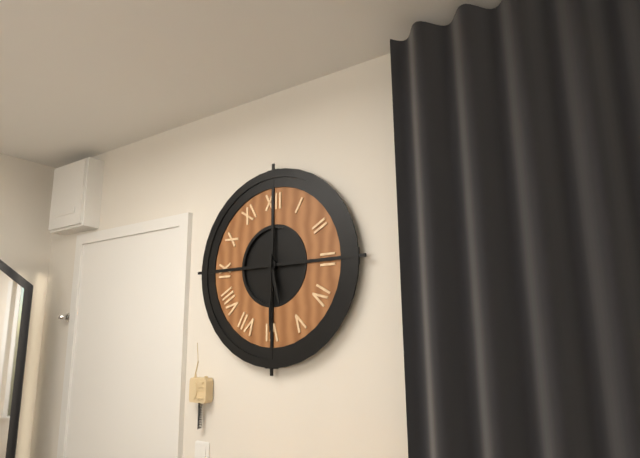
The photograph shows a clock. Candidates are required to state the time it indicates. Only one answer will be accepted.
5:30
